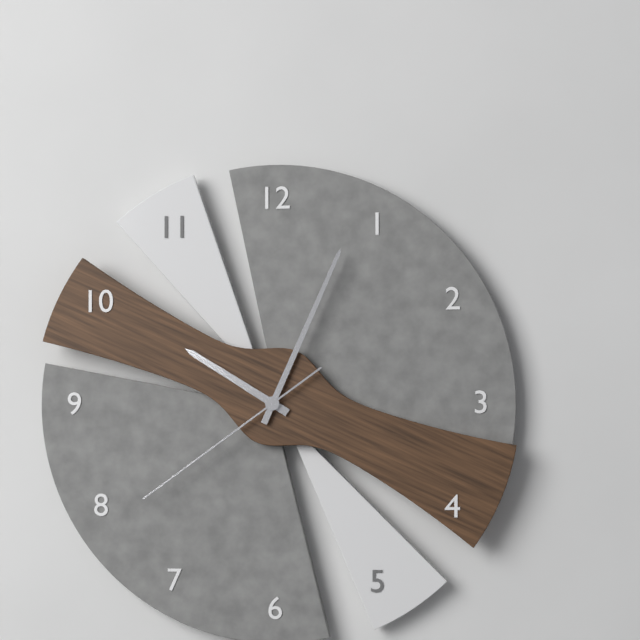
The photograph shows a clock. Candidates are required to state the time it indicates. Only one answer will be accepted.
10:04:39
